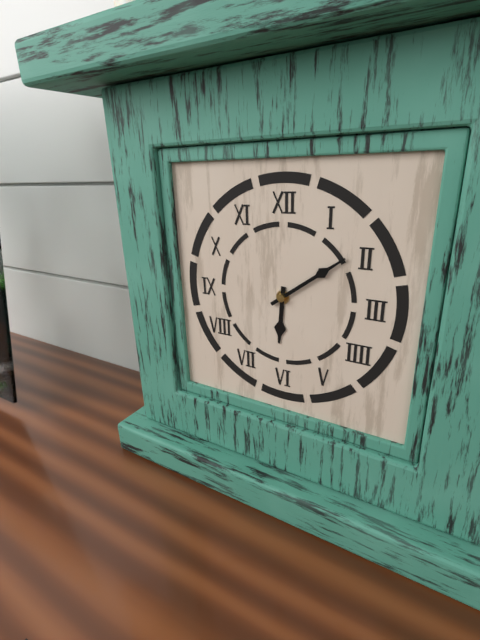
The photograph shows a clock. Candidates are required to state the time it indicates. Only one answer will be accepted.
6:09
